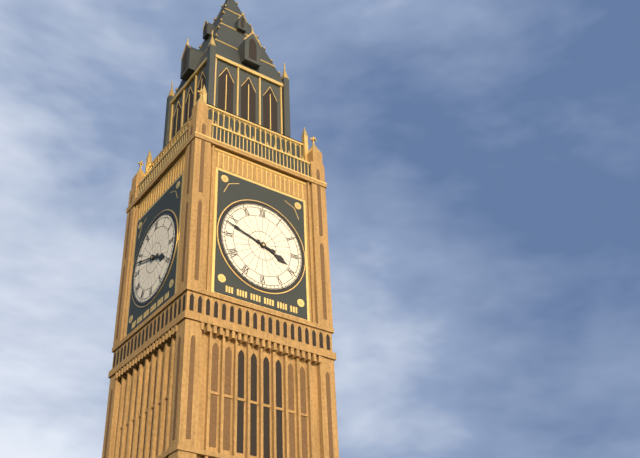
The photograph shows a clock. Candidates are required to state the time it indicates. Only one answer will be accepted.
3:48
